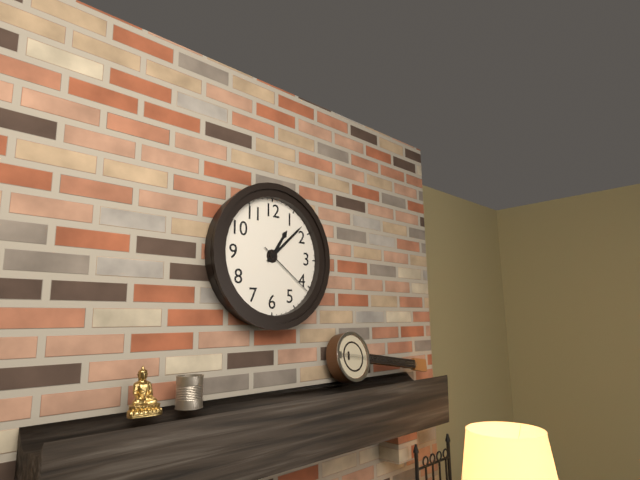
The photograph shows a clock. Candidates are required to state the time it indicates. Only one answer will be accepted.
1:08:21
